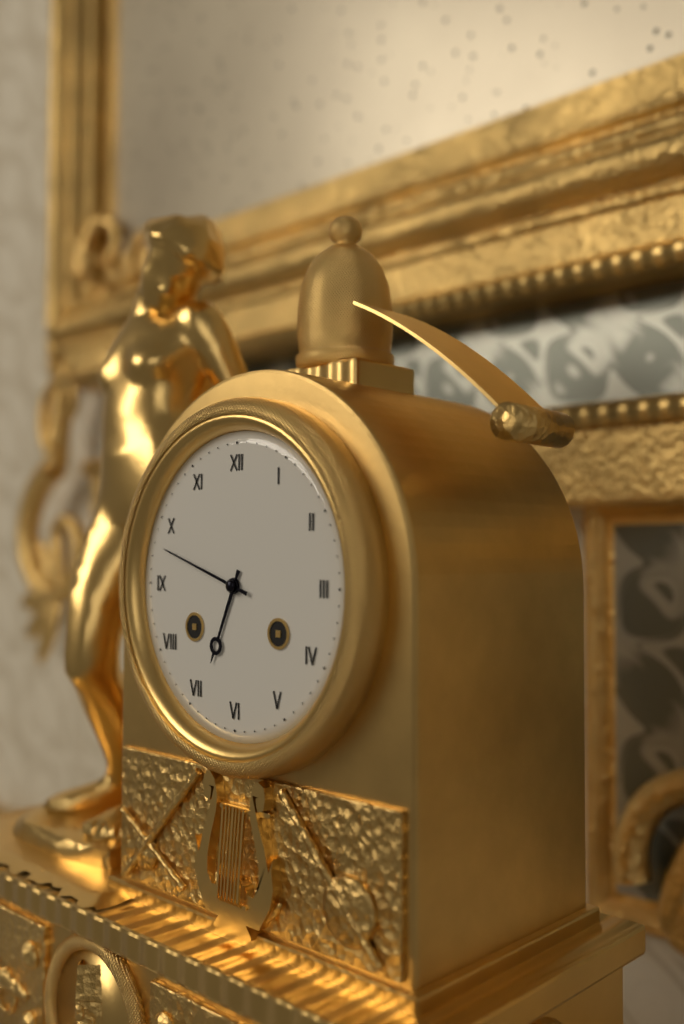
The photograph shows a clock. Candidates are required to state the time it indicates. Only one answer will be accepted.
6:48
